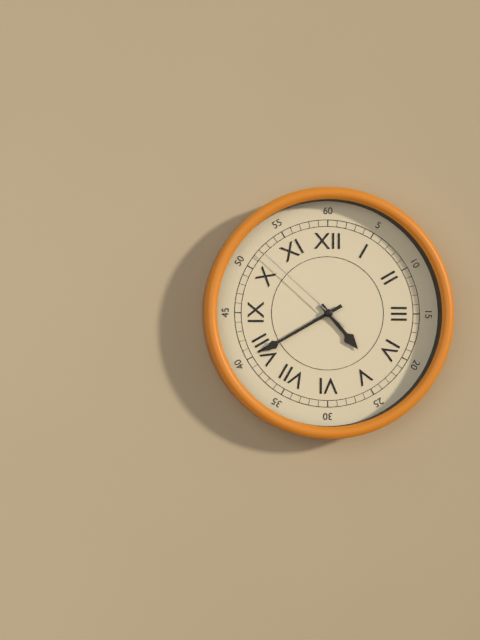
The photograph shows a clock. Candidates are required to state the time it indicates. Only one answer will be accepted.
4:40:52
